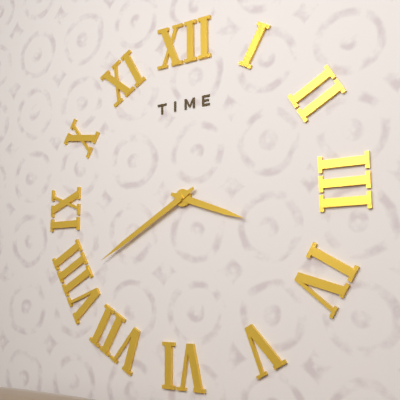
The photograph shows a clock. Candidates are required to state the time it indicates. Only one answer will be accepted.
3:40
